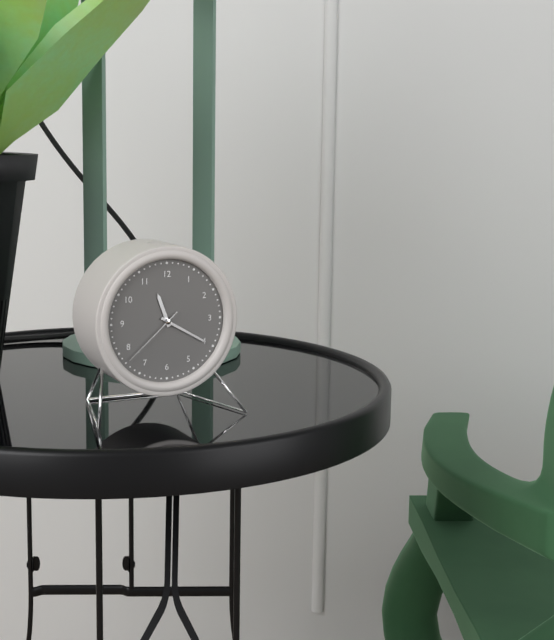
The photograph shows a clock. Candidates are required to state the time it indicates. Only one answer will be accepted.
11:20:38
